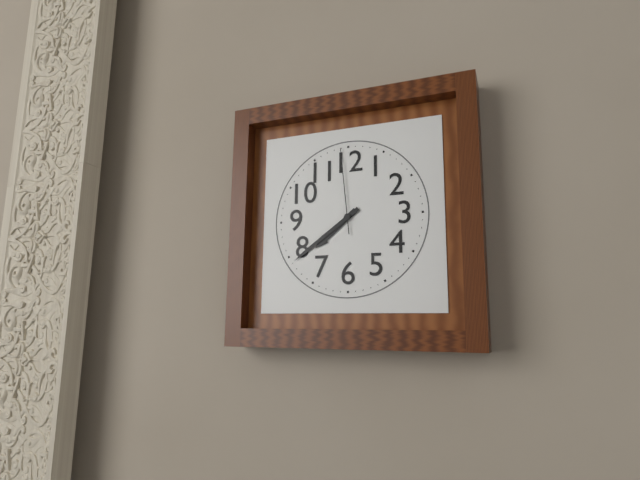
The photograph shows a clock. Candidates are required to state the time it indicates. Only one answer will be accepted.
7:39:59
